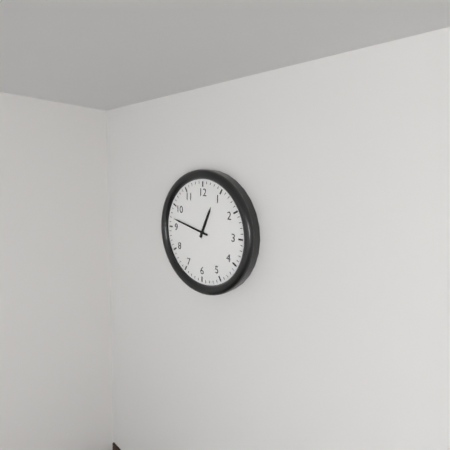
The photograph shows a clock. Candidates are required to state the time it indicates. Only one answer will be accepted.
12:47
